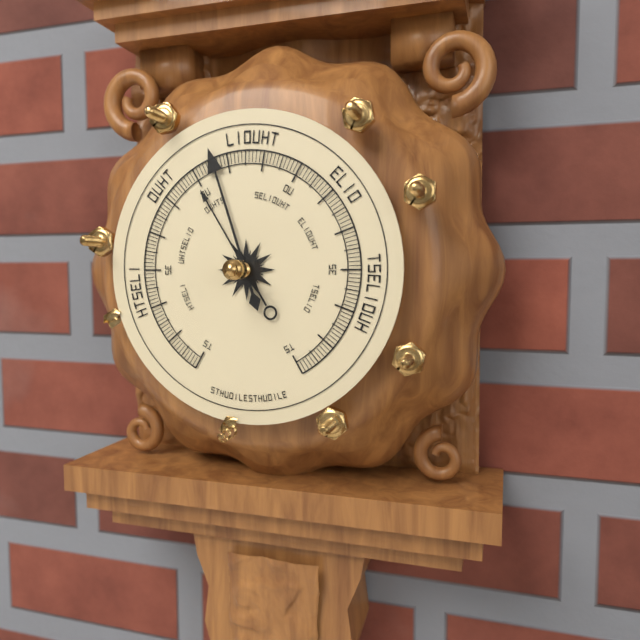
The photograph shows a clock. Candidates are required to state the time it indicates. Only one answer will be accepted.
10:57
